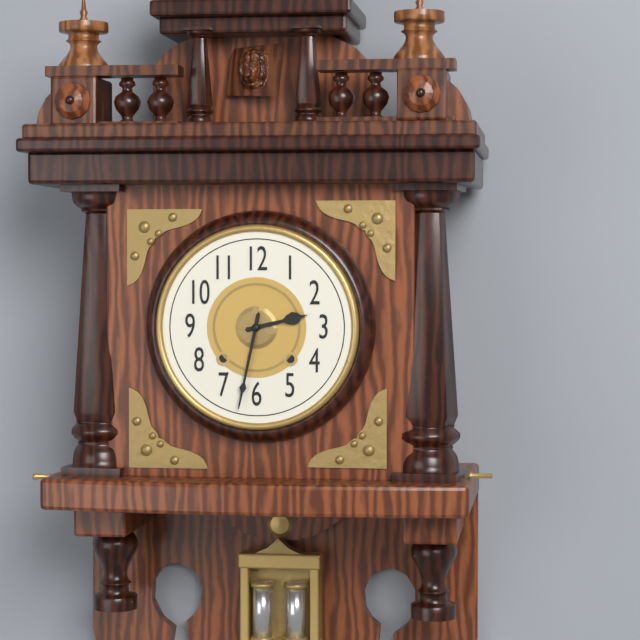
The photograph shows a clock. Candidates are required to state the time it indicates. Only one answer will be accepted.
2:32
